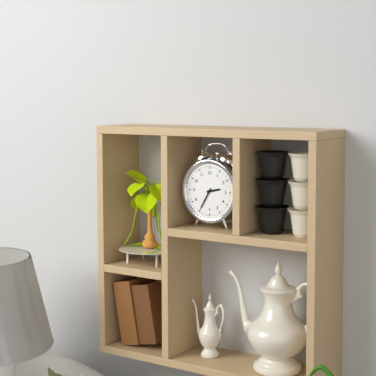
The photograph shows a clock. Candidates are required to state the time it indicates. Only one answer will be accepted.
2:35
